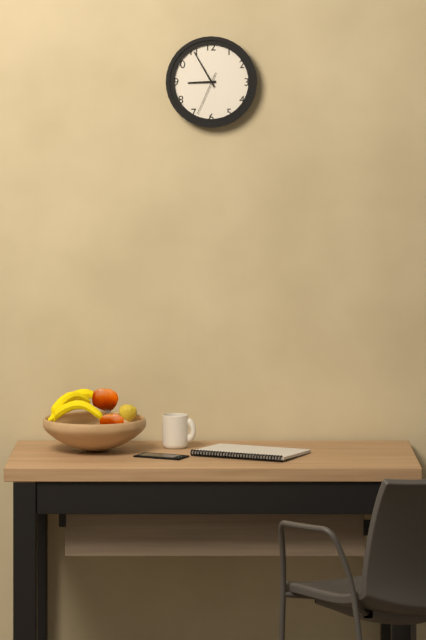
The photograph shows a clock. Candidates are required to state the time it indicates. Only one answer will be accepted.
8:55
